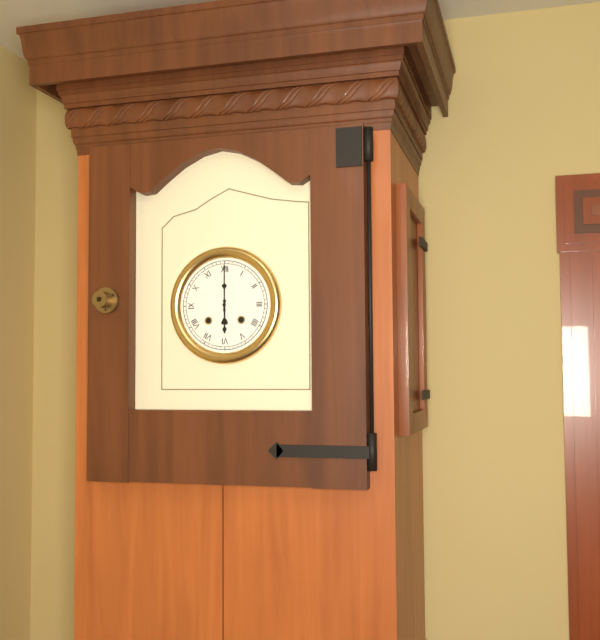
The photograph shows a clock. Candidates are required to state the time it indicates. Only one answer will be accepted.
6:00
